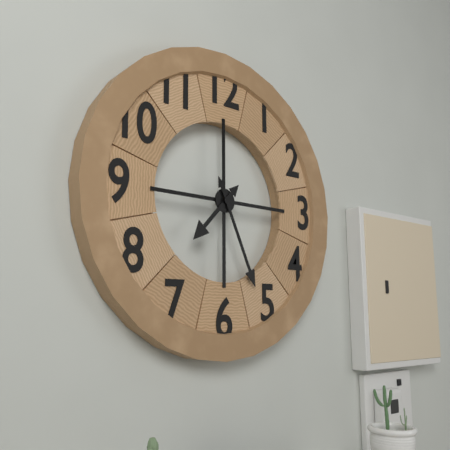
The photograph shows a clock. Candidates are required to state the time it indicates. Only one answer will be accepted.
7:26
